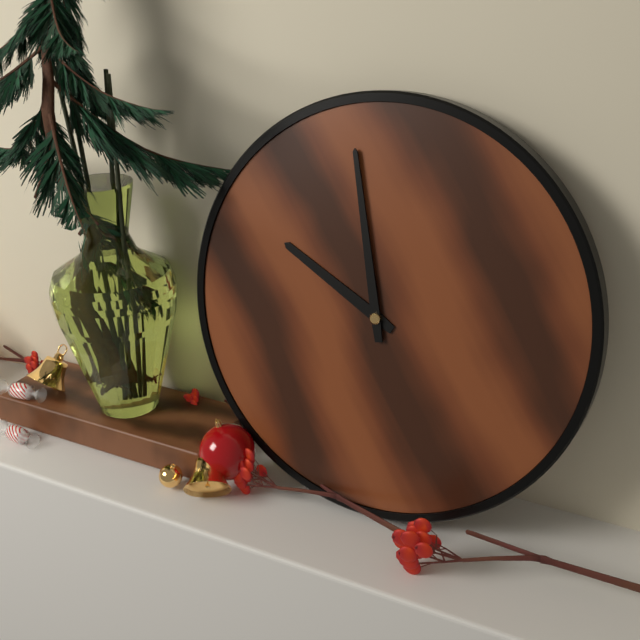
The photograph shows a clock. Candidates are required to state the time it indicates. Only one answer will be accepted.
9:58
